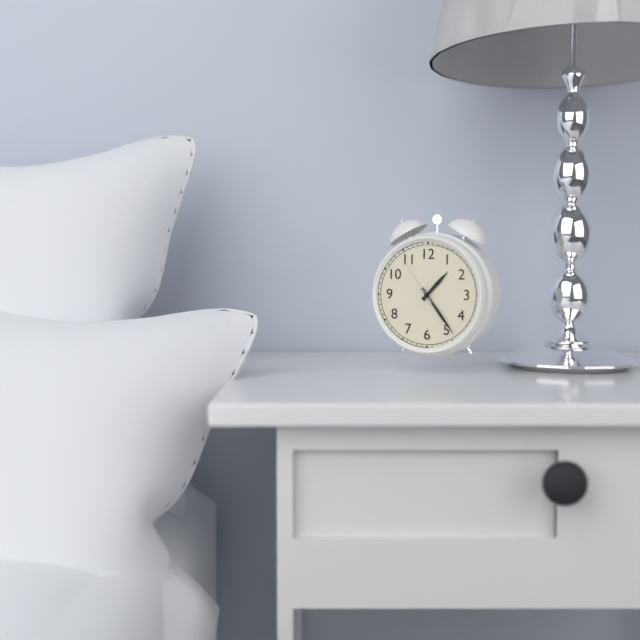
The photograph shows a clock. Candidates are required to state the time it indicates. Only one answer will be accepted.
1:24:54
